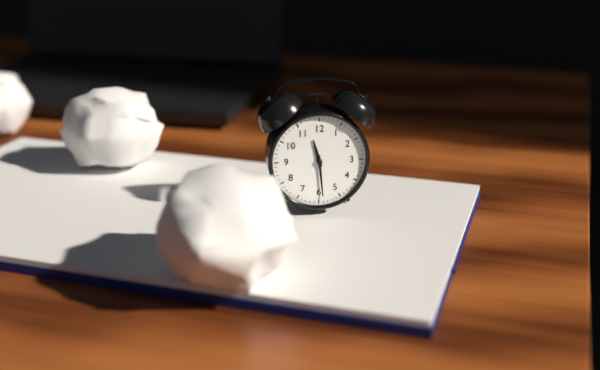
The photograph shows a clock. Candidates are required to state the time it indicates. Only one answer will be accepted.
11:29
